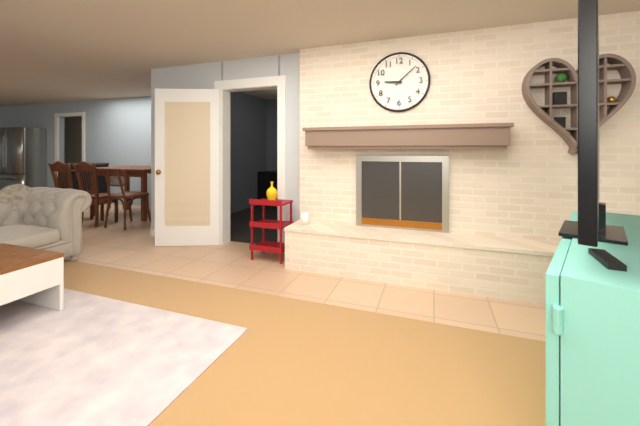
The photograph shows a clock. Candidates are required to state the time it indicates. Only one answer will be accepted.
9:08
